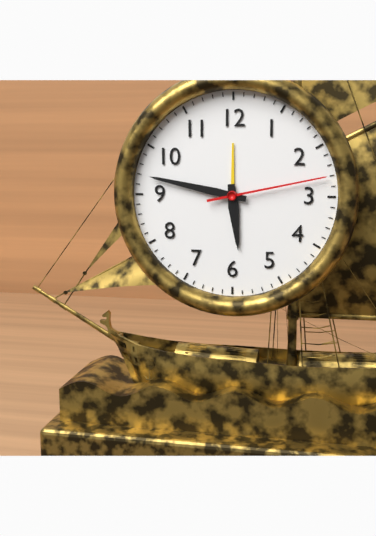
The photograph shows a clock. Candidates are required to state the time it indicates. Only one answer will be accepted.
5:47:13
